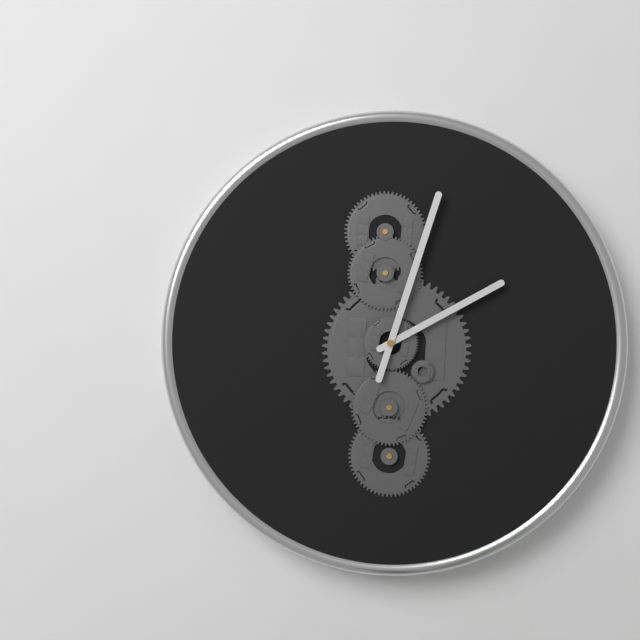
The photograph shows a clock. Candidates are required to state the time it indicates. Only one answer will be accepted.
2:03
